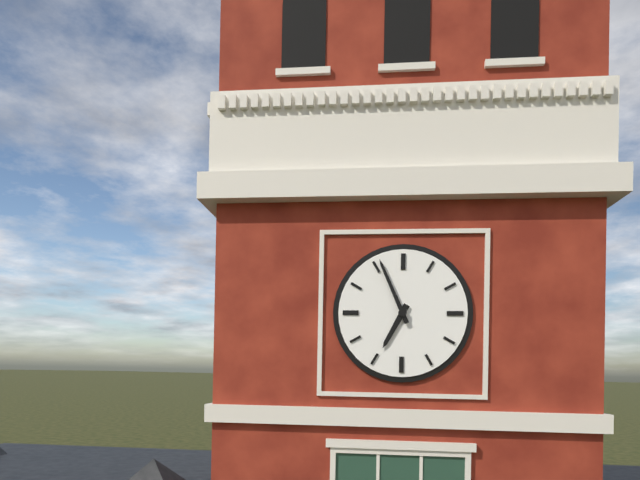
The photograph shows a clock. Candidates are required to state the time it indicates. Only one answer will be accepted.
6:56
